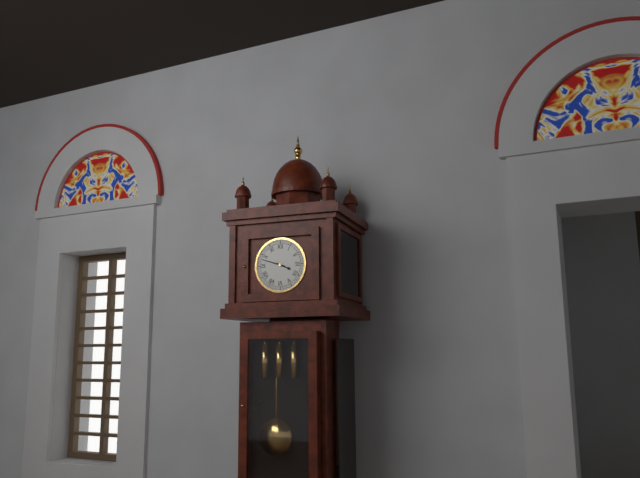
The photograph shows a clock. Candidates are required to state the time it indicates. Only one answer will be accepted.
3:48
